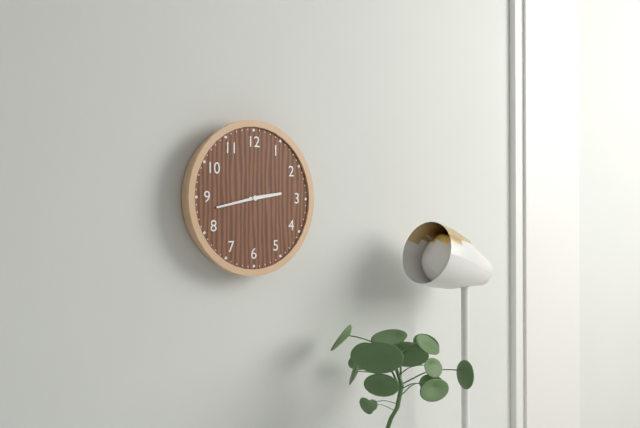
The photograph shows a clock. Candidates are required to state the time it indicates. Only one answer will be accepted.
2:43
